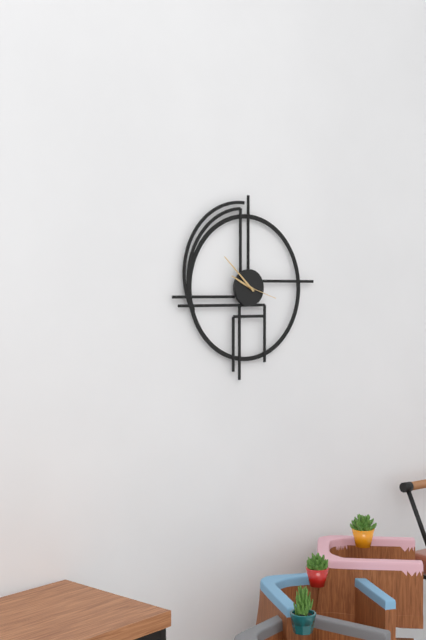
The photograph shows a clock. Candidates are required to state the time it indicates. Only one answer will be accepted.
9:52
